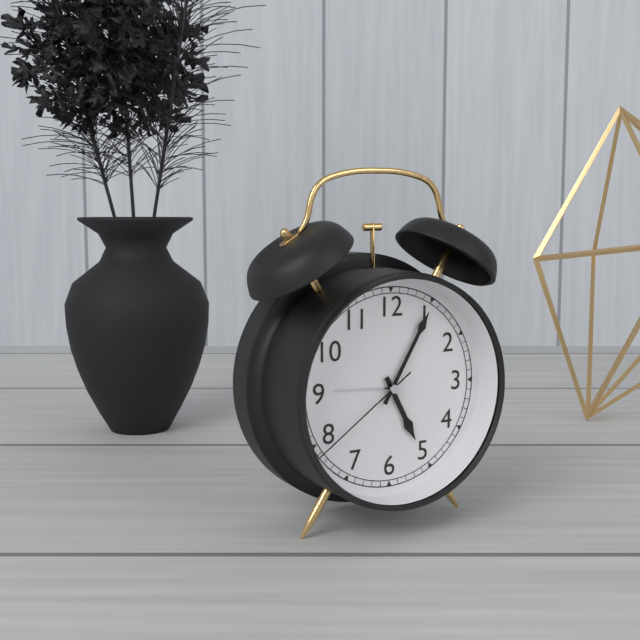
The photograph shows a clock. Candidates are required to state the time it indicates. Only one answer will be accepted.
5:05:39
